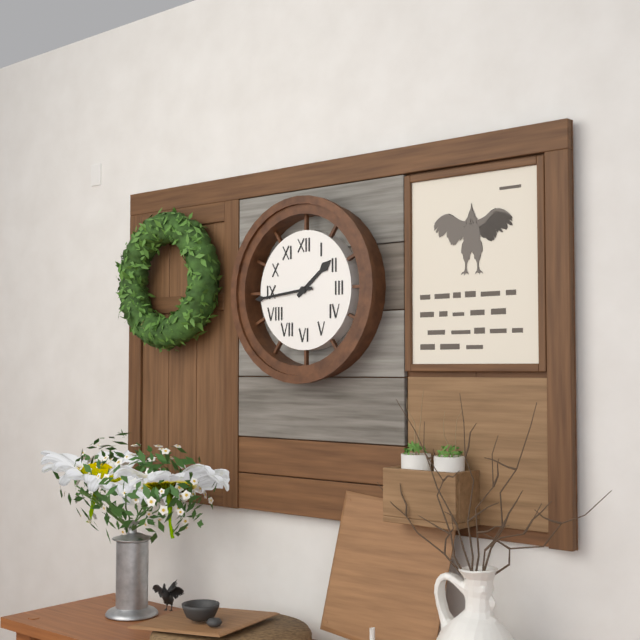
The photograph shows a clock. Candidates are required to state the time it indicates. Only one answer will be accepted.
1:44
